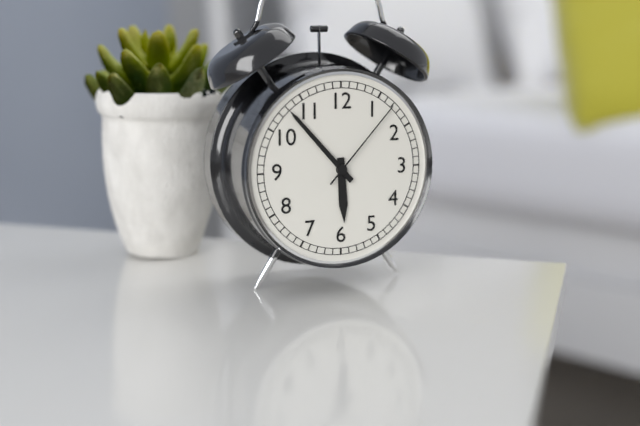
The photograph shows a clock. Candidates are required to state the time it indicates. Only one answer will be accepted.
5:53:07
